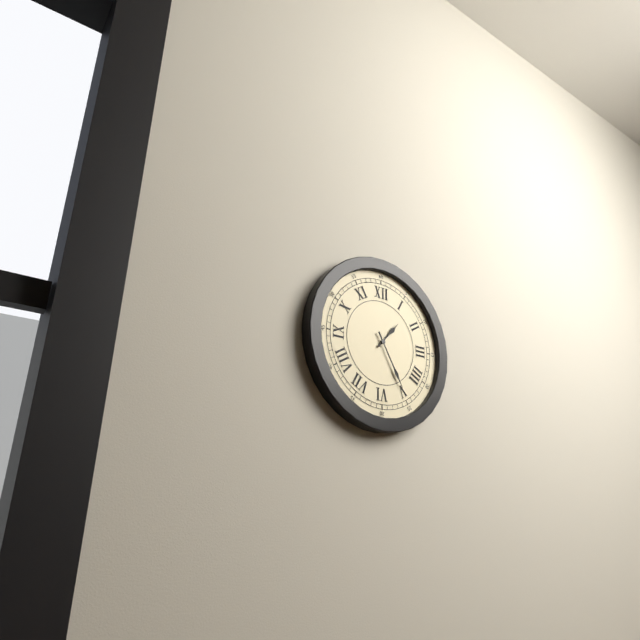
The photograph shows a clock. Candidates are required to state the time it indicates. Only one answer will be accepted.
1:25
